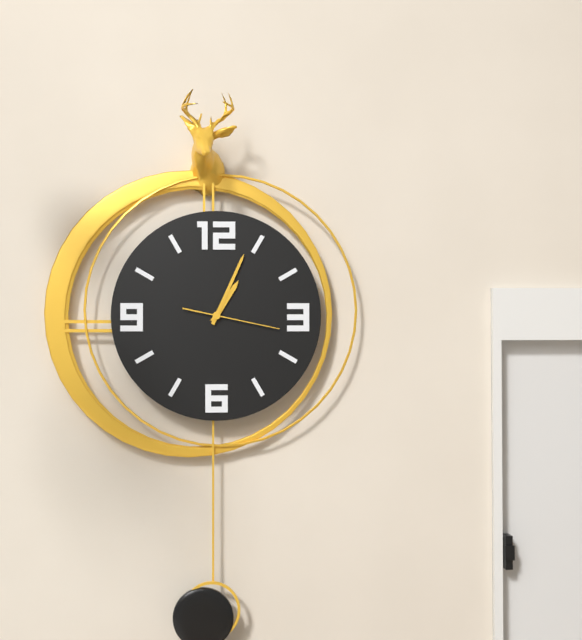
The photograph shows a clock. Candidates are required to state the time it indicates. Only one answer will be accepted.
1:04:17
